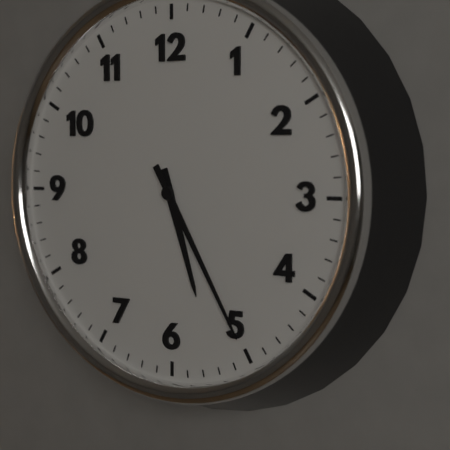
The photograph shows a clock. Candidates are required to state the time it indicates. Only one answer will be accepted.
5:25
